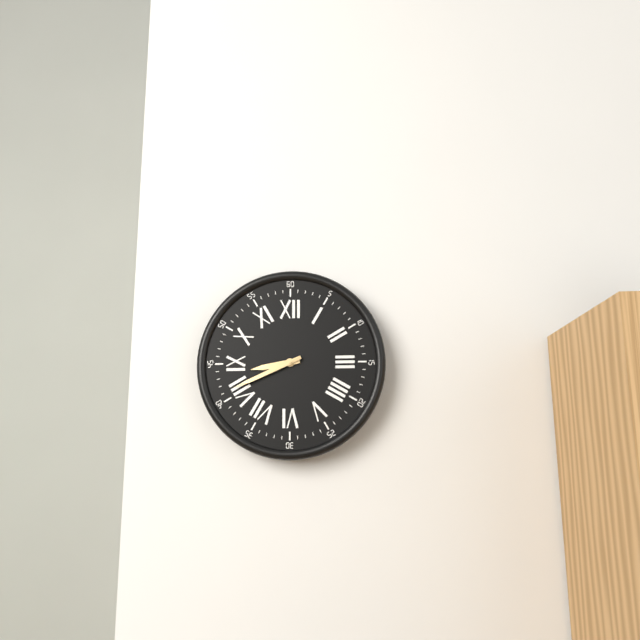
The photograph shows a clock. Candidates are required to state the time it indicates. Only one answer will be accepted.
8:41
